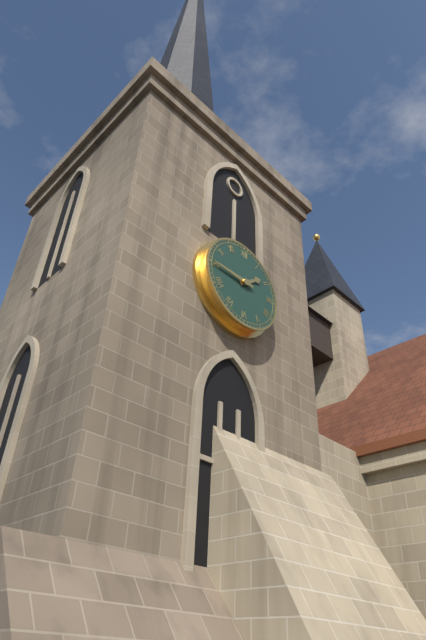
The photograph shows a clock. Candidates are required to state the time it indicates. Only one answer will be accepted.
1:45
